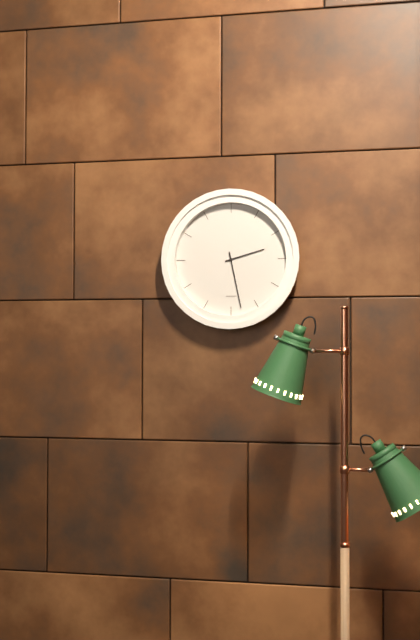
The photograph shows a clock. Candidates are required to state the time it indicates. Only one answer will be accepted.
2:28
